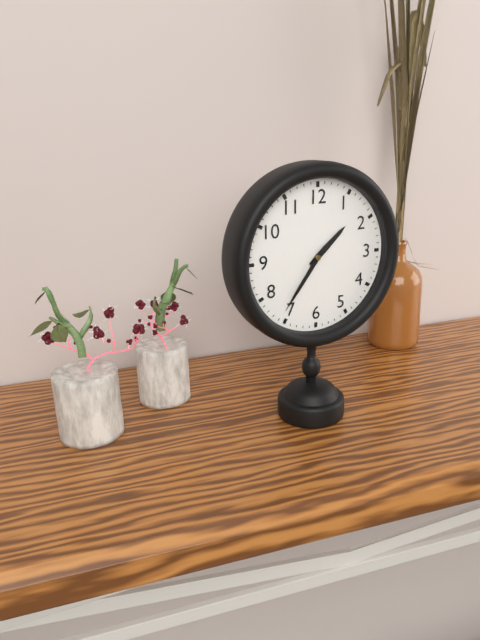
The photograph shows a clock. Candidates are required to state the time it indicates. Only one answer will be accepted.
1:36
